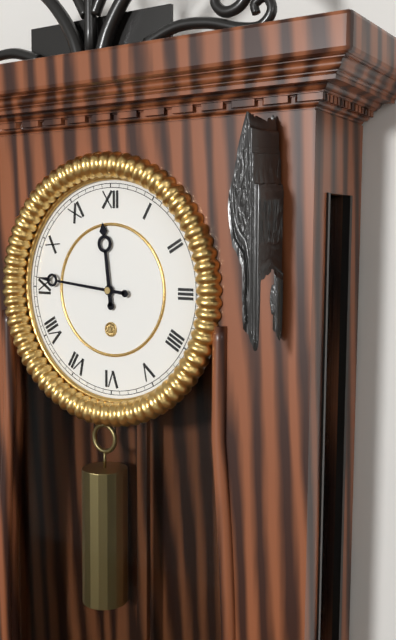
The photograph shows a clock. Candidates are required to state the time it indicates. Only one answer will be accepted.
11:46
